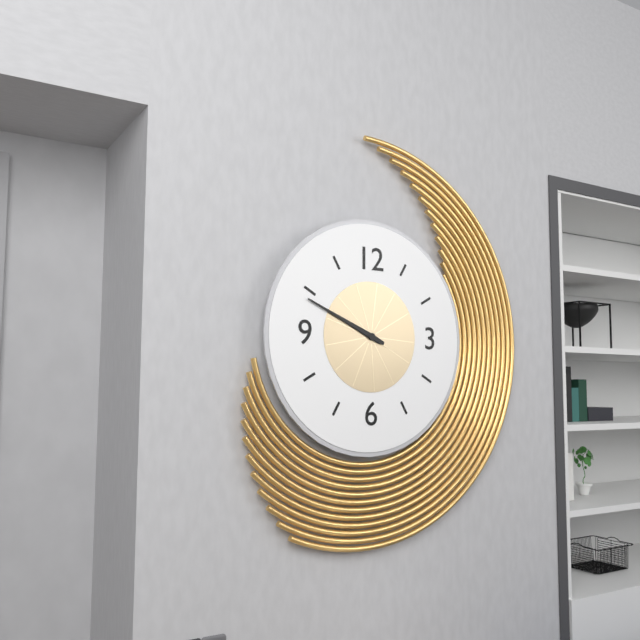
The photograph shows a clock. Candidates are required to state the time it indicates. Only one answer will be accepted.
9:49
